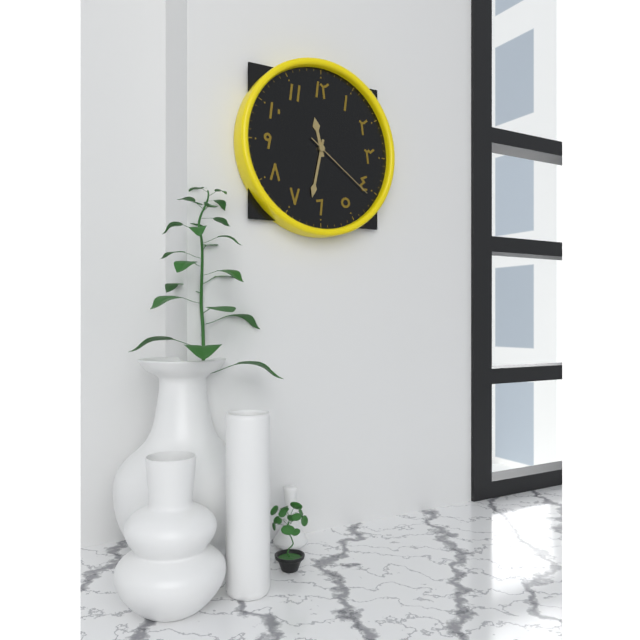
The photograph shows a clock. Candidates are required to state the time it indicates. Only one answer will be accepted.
11:32:21
